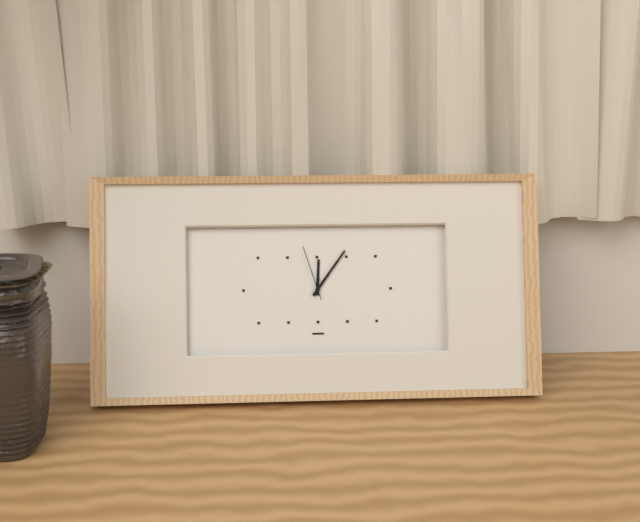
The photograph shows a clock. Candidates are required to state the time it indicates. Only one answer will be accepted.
12:06:57
